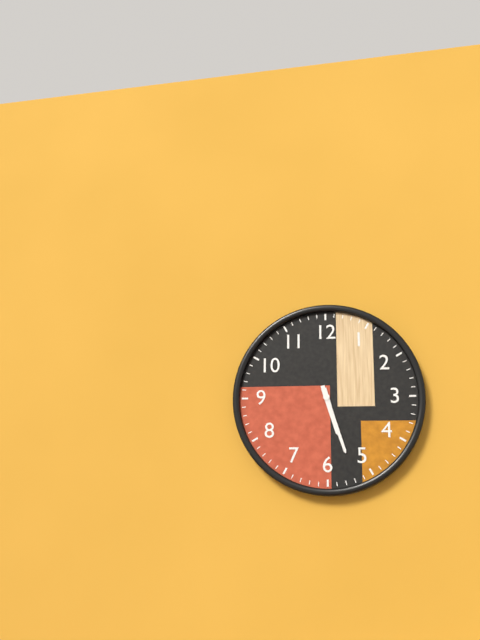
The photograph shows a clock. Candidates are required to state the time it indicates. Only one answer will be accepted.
5:27
